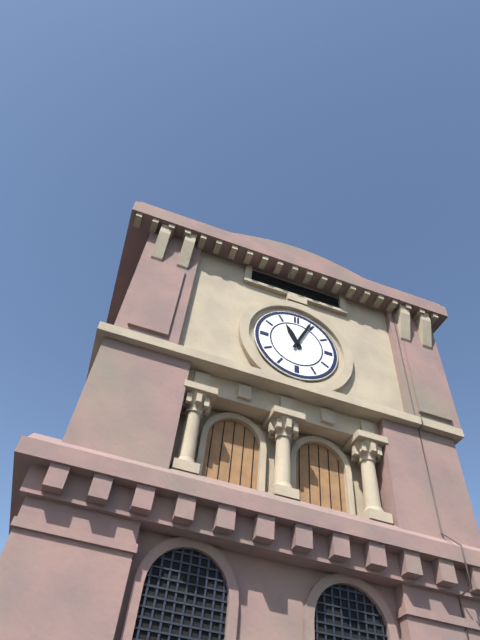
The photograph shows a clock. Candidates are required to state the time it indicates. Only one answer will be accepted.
11:04
